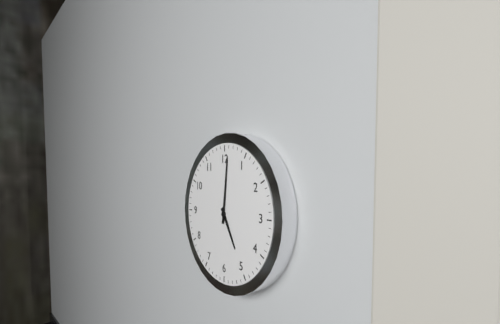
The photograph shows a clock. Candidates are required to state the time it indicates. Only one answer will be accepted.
5:01
